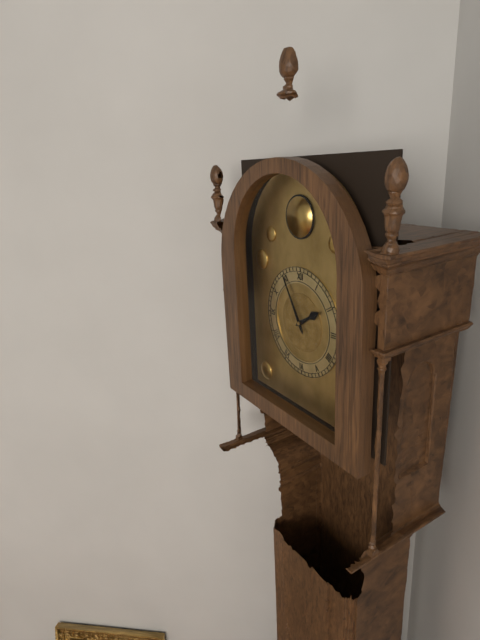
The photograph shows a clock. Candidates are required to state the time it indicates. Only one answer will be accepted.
1:55
